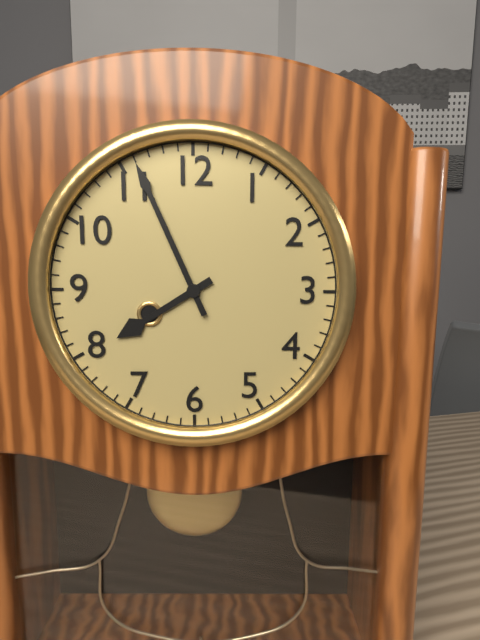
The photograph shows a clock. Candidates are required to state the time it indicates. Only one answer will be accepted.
7:56
